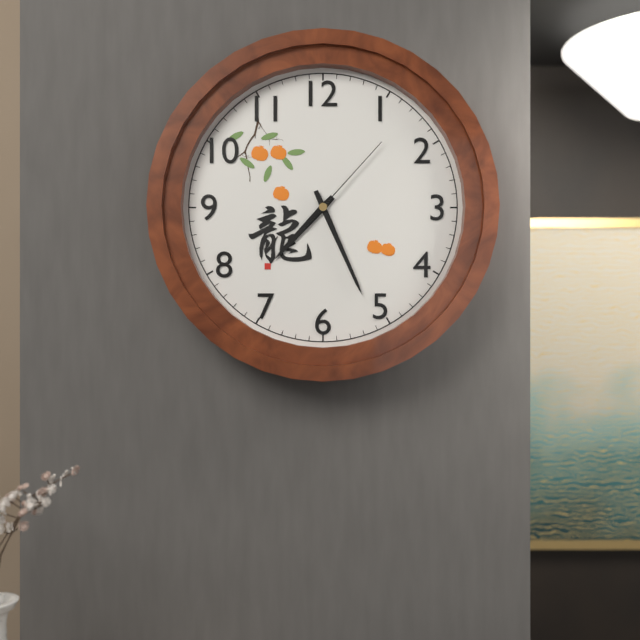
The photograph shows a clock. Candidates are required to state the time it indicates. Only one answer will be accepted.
7:26:07
